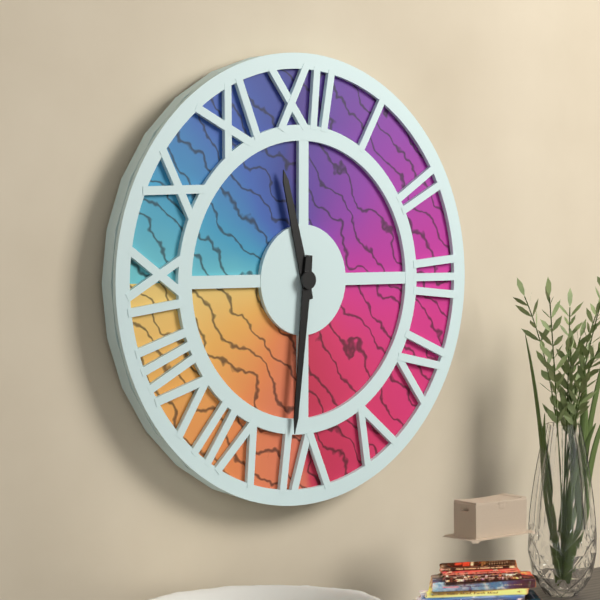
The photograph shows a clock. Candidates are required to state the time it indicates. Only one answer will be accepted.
11:31
